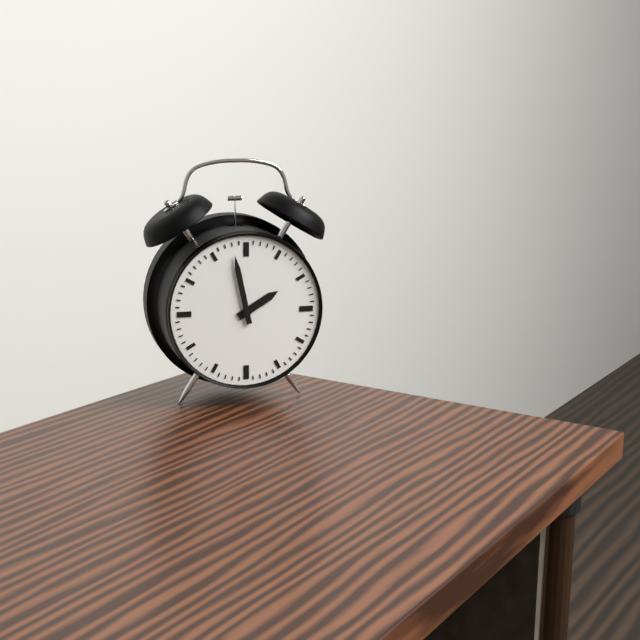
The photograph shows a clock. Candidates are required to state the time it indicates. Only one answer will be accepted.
1:58
